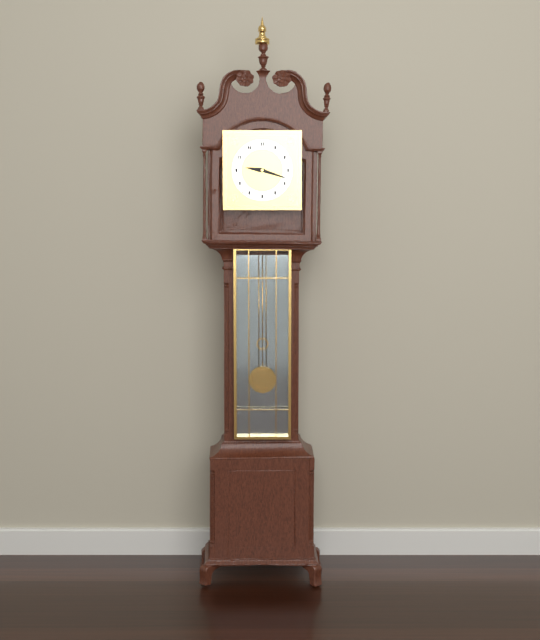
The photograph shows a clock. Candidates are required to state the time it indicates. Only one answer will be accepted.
9:18
